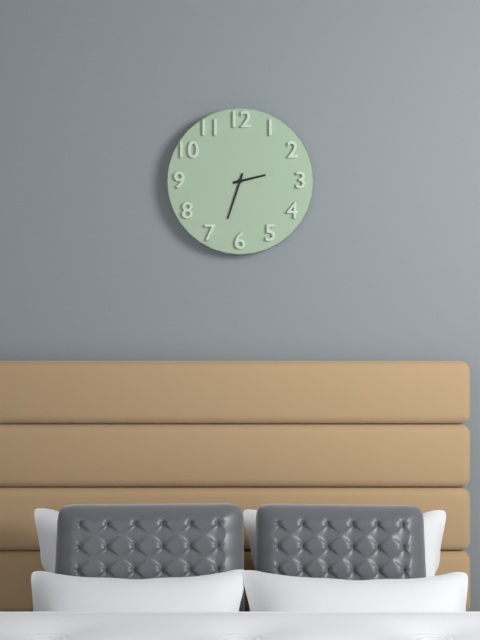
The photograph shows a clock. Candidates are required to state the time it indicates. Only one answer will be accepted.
2:33
